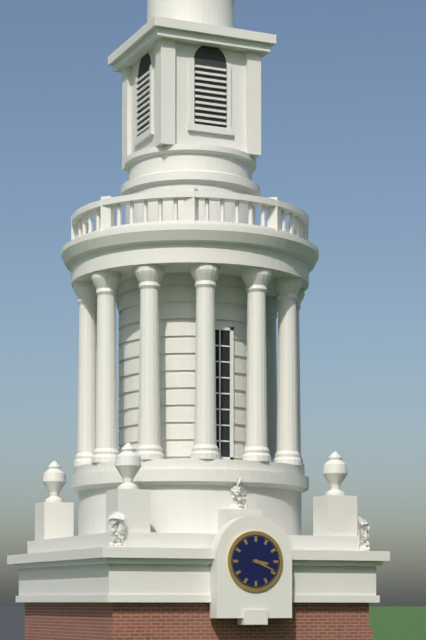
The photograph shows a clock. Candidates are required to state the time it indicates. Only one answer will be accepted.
3:19
